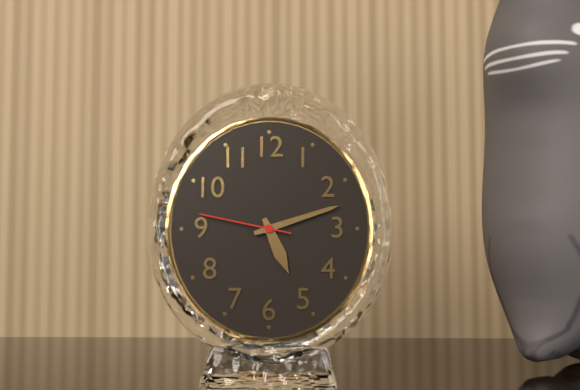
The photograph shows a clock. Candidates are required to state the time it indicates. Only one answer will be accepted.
5:12:47
